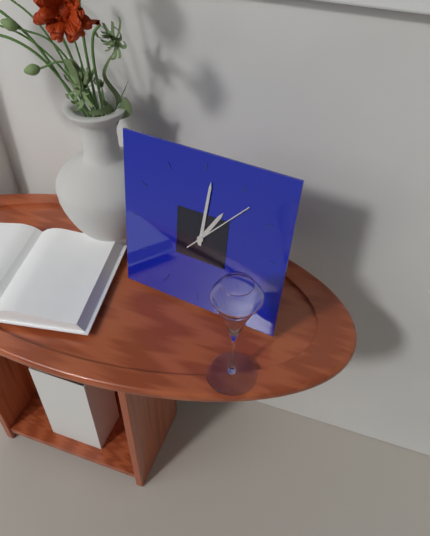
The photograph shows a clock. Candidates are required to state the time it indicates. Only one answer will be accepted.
1:01:07
